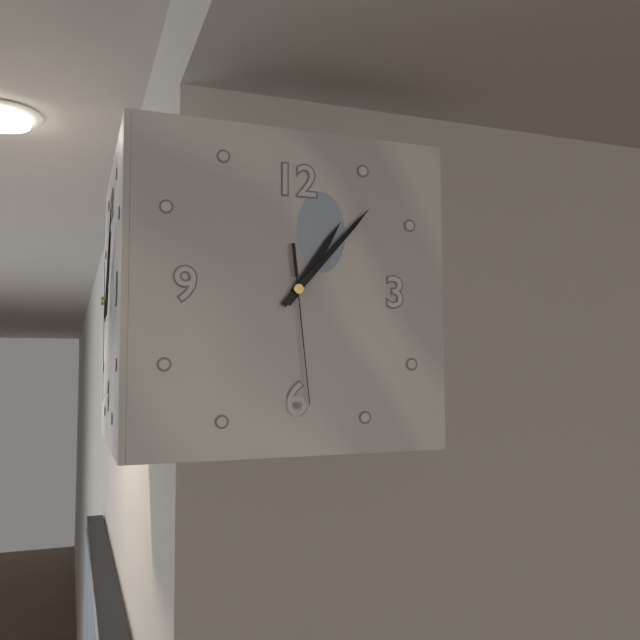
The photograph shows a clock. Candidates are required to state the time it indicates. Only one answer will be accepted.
1:07:29
